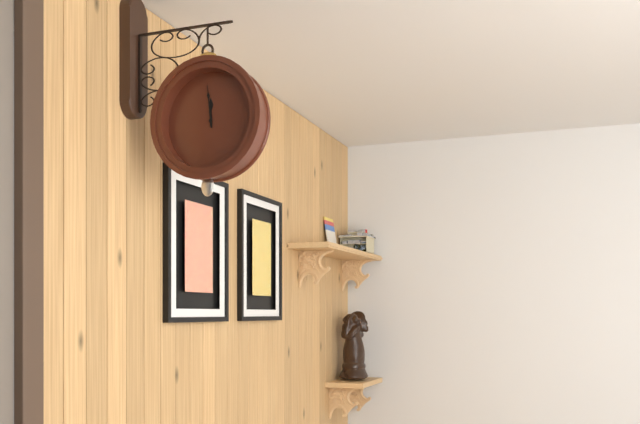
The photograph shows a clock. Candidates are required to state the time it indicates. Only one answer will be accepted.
11:59
